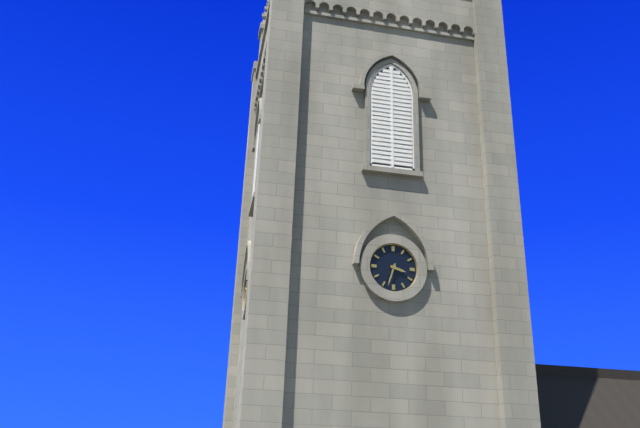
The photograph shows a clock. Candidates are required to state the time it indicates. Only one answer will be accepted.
3:33
